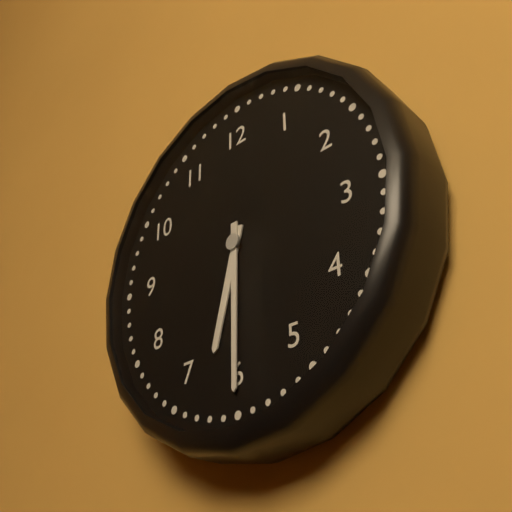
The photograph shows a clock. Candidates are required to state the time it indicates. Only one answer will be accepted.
6:30
